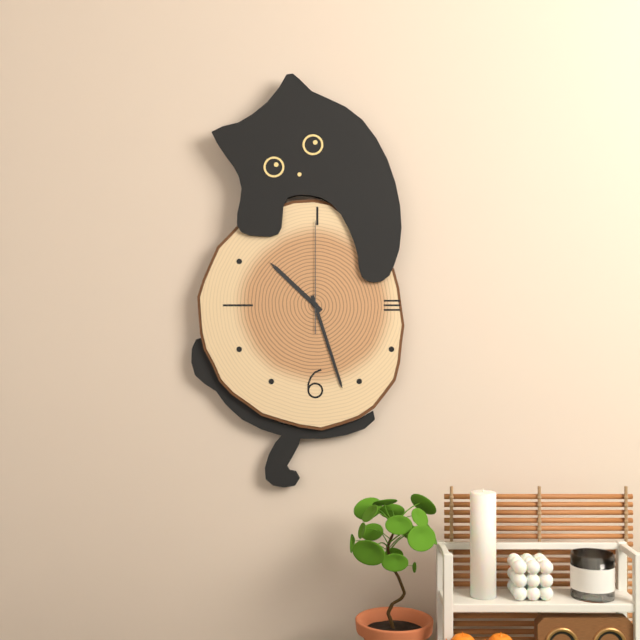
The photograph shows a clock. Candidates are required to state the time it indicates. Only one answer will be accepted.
10:27:00
